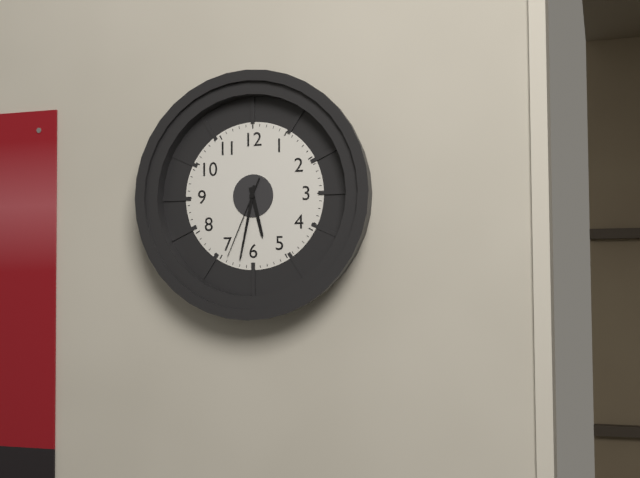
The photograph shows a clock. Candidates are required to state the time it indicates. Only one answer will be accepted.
5:32:34
